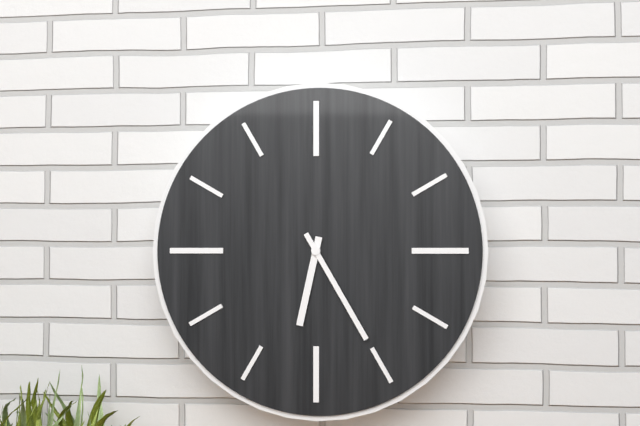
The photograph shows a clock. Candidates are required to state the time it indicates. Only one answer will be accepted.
6:25
